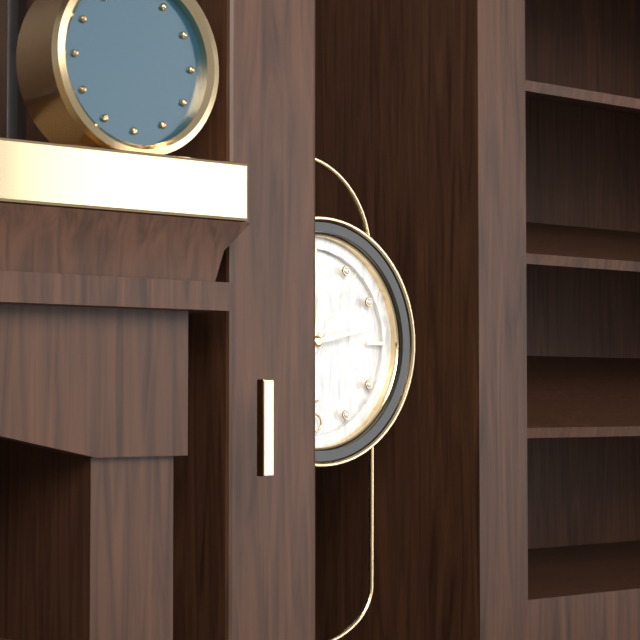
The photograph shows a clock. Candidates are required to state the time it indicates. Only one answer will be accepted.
12:13:06
